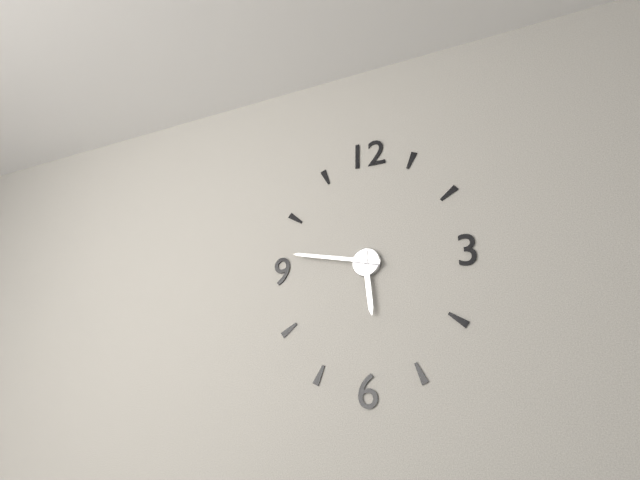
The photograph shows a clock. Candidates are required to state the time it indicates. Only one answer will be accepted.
5:47
